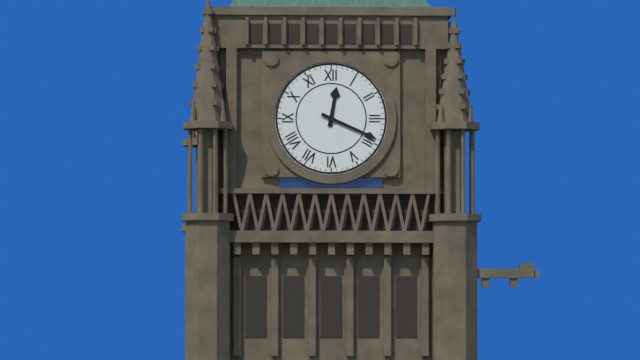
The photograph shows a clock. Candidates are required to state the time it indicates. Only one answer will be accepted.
12:19
